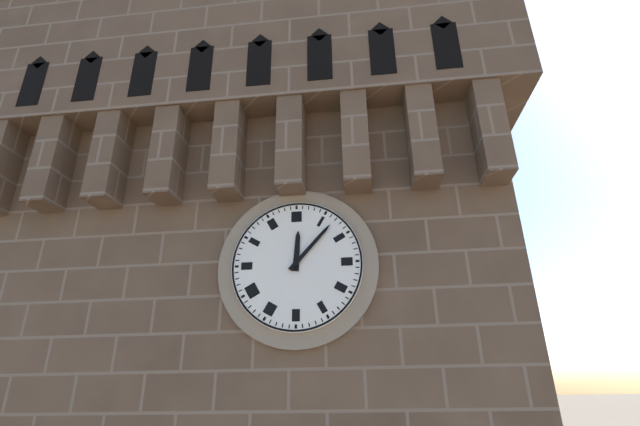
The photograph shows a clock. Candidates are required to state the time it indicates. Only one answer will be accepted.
12:07
